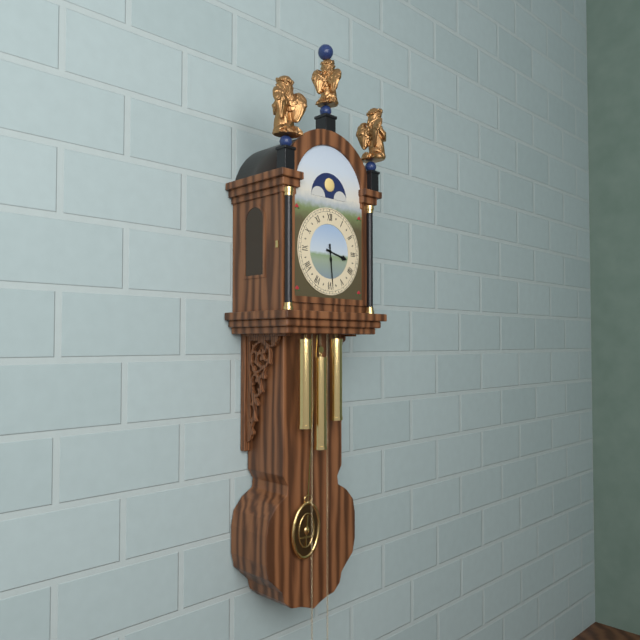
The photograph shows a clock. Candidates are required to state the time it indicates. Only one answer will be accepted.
3:29
